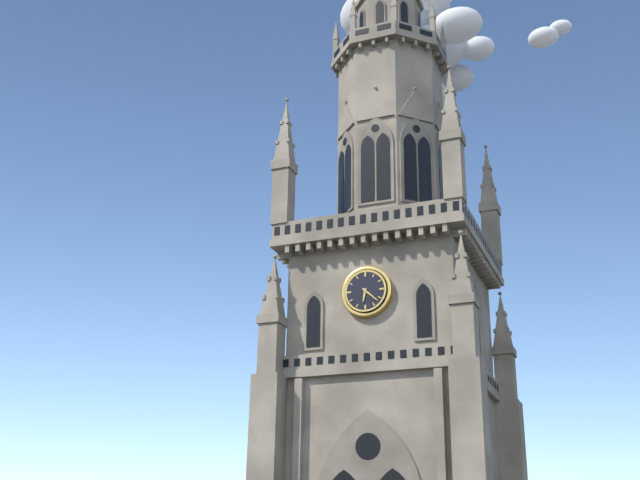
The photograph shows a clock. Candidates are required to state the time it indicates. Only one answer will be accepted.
6:22
